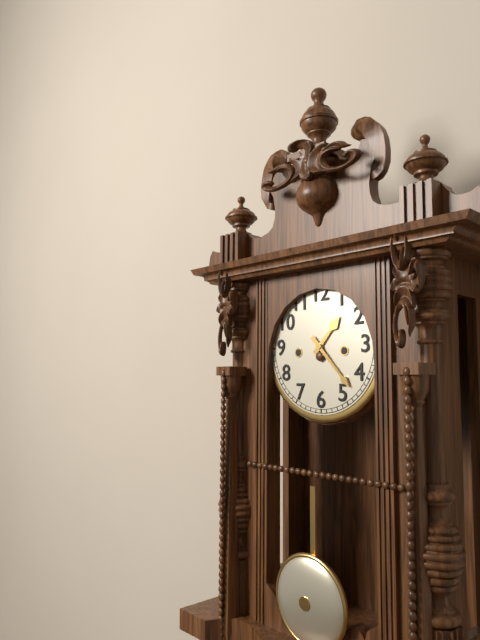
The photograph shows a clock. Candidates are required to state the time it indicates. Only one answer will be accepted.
1:23
